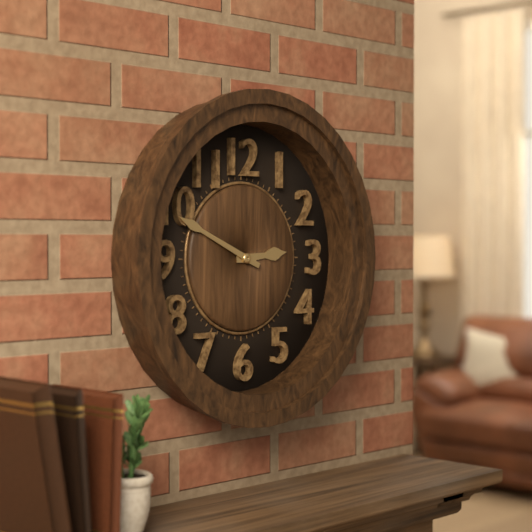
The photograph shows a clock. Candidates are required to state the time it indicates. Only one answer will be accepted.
2:49
